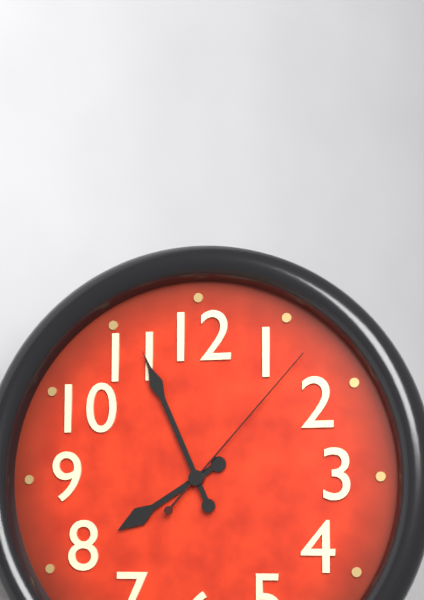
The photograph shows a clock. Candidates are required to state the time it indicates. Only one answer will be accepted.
7:56:07
